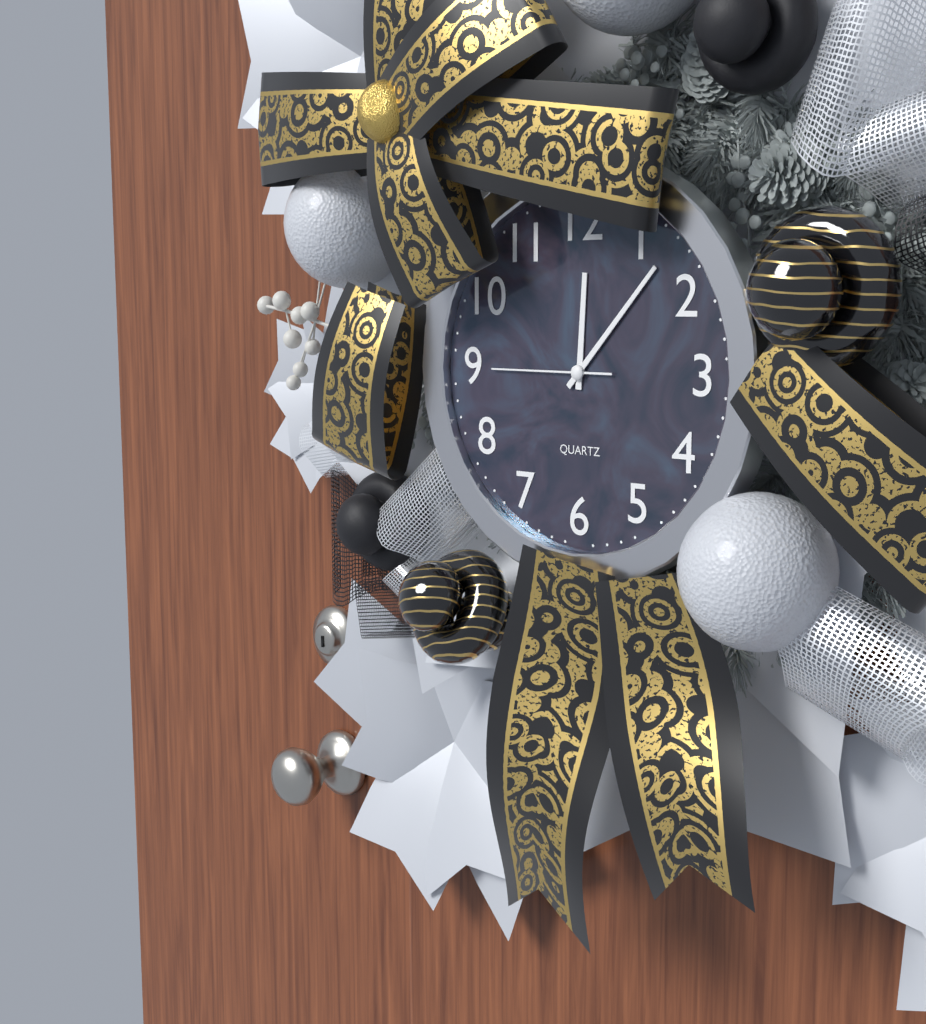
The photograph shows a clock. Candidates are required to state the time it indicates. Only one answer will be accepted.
12:07:45
